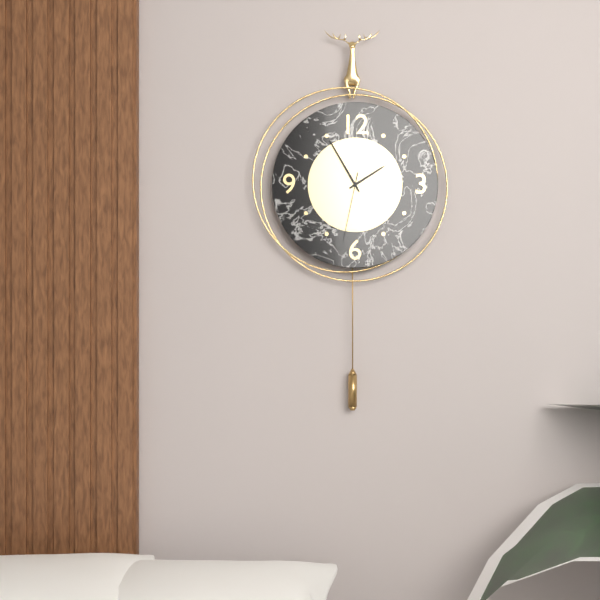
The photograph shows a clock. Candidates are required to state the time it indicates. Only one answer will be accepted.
1:55:32
